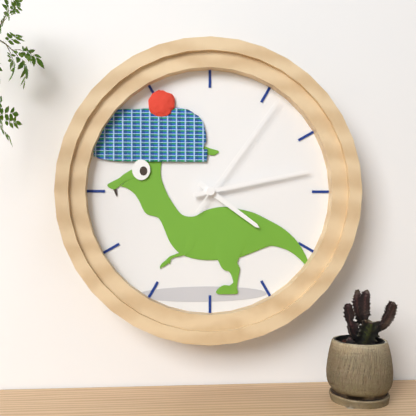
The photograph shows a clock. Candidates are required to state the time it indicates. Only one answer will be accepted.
4:13:06
